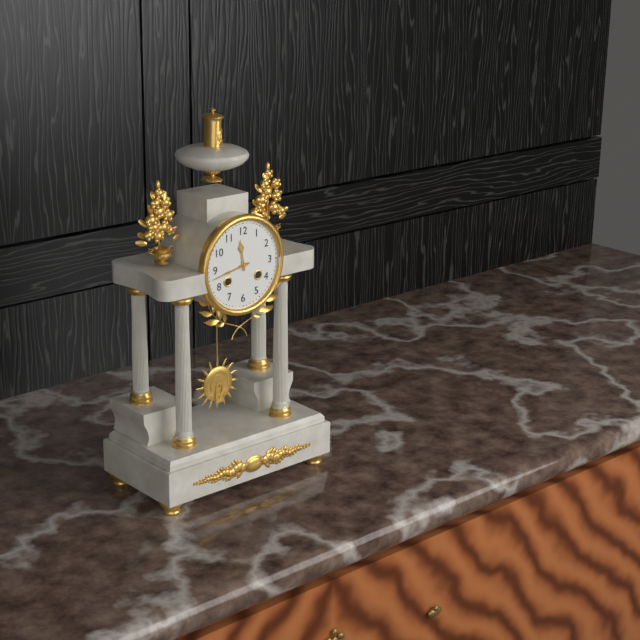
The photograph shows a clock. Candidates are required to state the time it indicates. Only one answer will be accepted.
11:43
